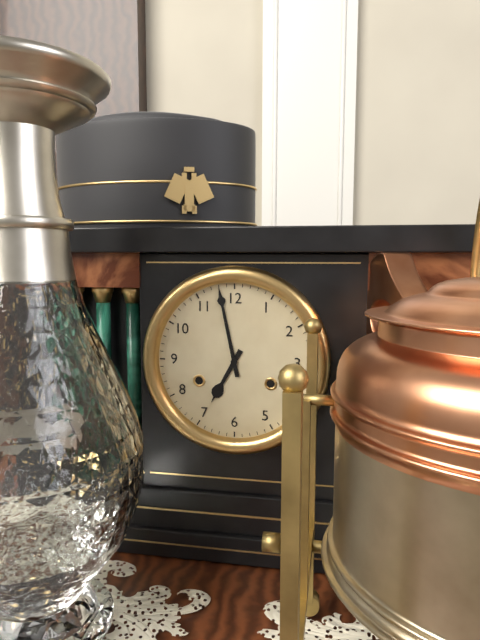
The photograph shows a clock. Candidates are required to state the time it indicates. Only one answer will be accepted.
6:58
